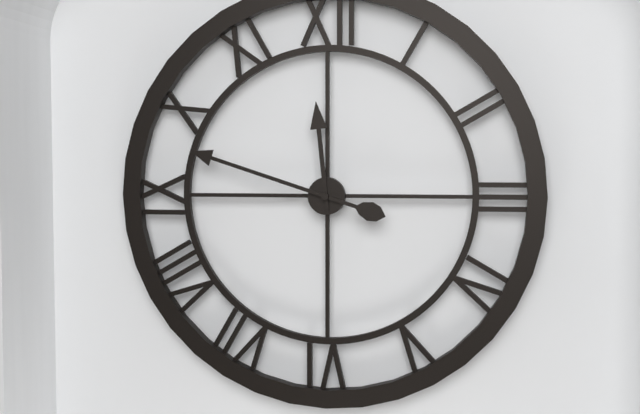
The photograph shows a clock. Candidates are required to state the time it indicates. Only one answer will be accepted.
11:48
